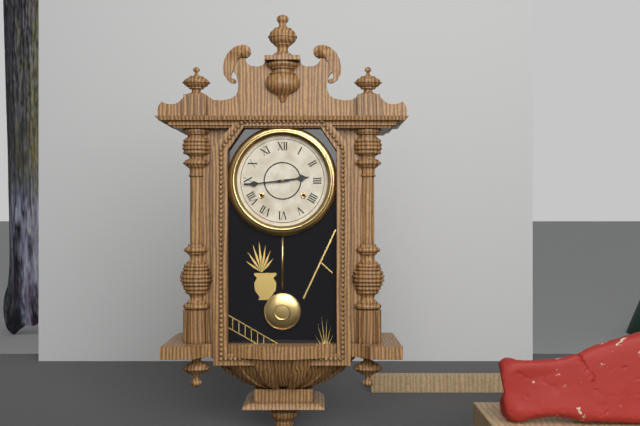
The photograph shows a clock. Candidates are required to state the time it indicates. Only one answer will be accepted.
2:44
